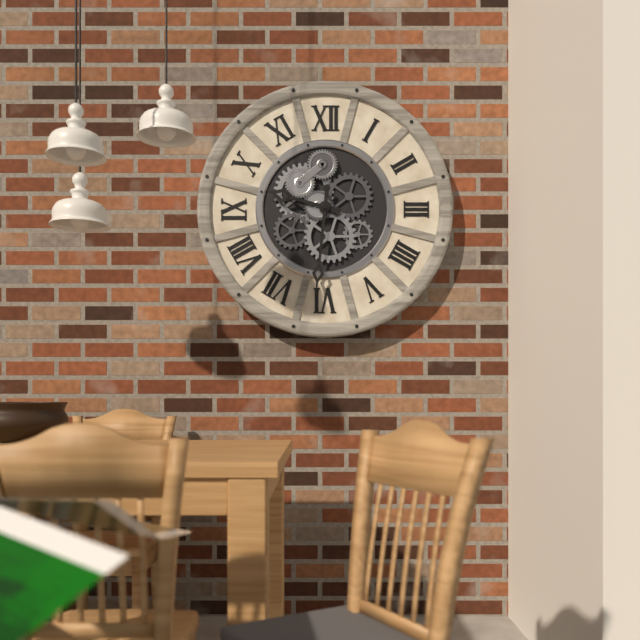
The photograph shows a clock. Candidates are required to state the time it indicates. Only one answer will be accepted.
9:31
